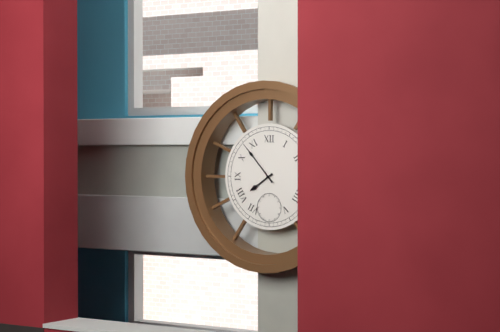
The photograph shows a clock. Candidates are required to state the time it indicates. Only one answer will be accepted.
7:53
